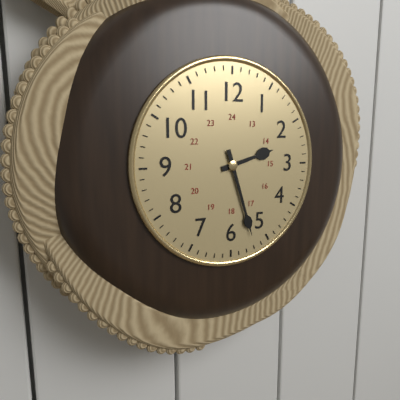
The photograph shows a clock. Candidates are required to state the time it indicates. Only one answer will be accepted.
2:27
